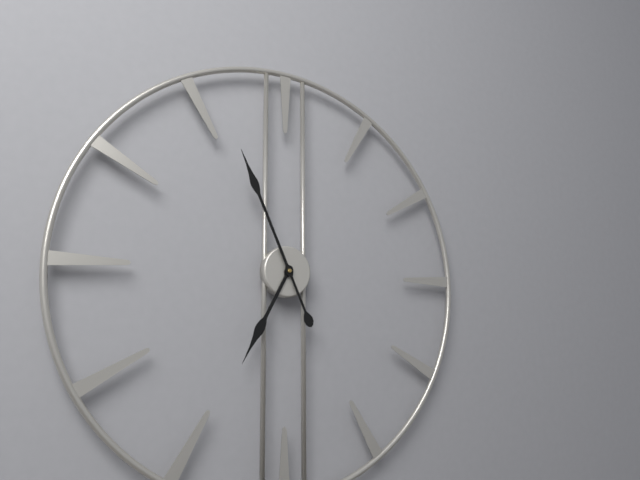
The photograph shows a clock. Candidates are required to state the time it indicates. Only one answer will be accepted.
6:56
